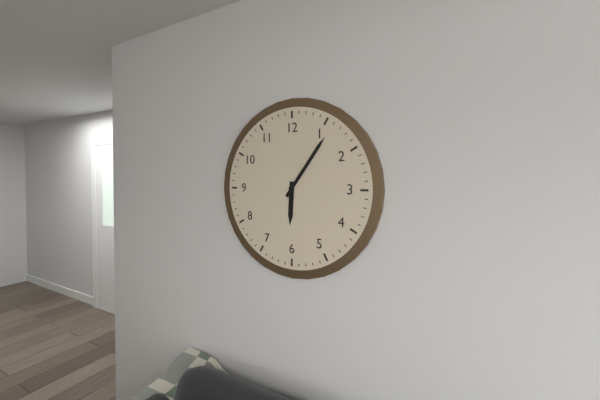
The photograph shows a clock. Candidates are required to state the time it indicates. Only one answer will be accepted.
6:06
